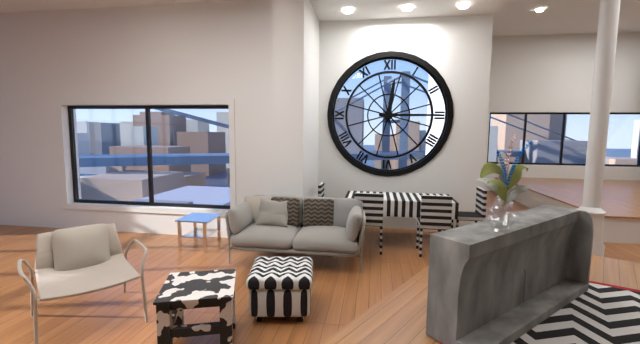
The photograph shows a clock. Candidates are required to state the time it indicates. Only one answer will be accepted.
12:15
